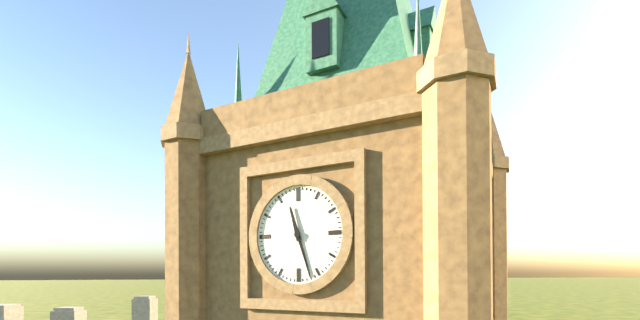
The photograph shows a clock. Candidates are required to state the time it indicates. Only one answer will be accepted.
11:27
